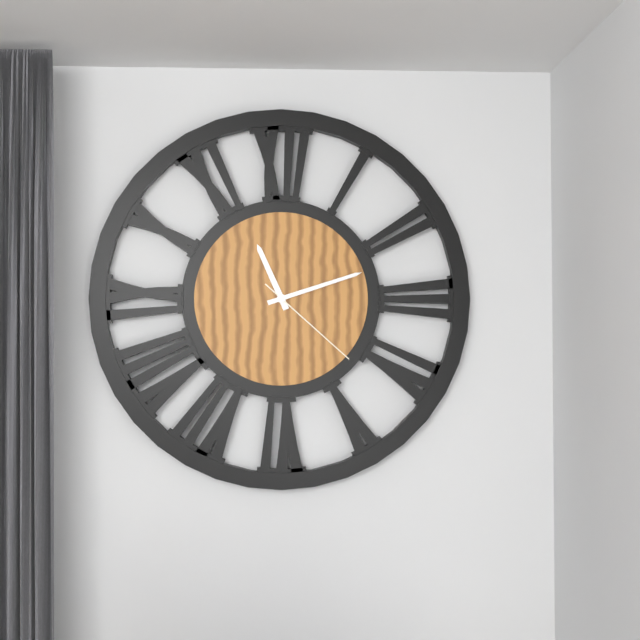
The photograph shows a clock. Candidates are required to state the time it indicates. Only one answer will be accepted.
11:12:22
